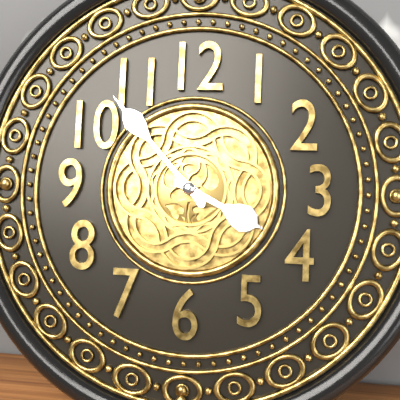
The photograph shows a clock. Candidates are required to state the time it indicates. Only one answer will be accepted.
3:53
